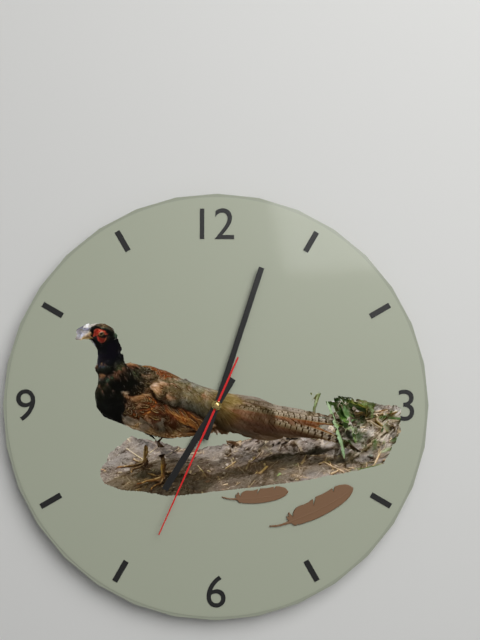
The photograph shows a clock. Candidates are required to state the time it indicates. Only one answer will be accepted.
7:03:34
